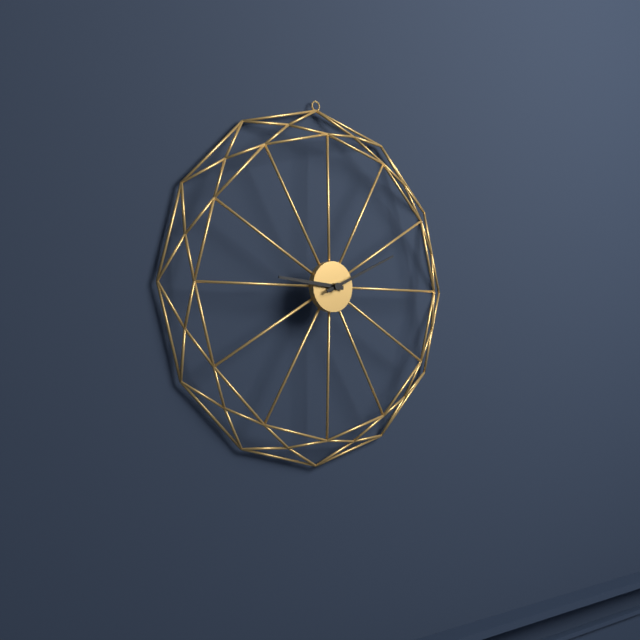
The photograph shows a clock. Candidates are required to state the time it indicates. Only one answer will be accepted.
9:11
